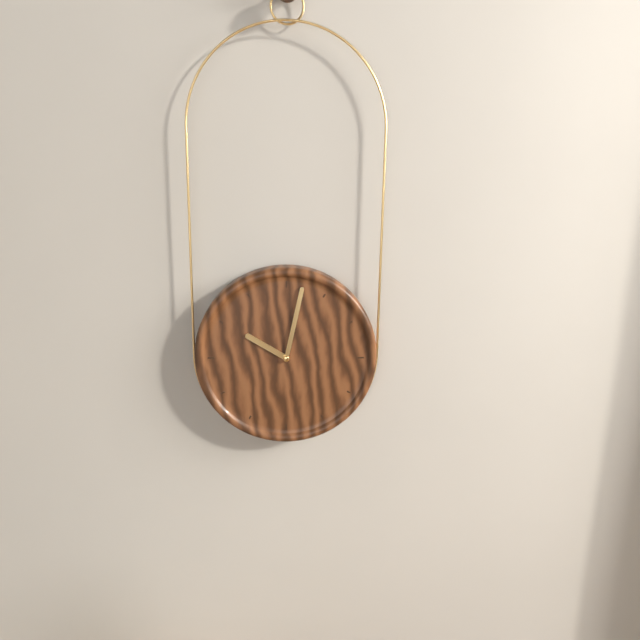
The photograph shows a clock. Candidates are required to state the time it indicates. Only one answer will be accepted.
10:02
